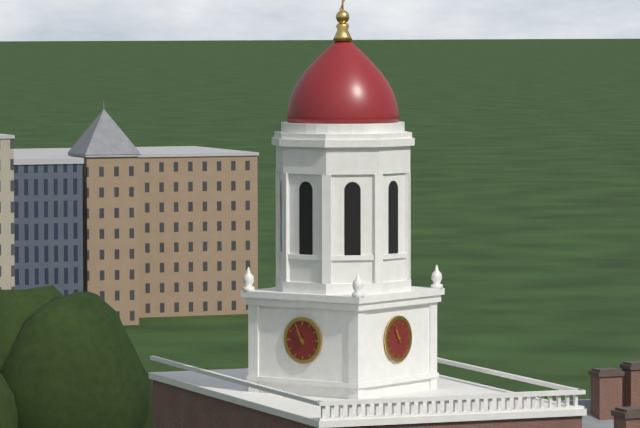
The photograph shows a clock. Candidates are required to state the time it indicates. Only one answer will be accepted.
10:56
